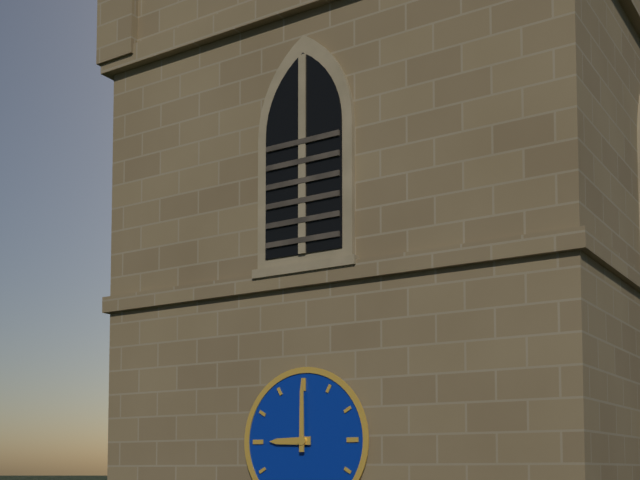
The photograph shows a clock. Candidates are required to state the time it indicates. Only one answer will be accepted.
9:00
